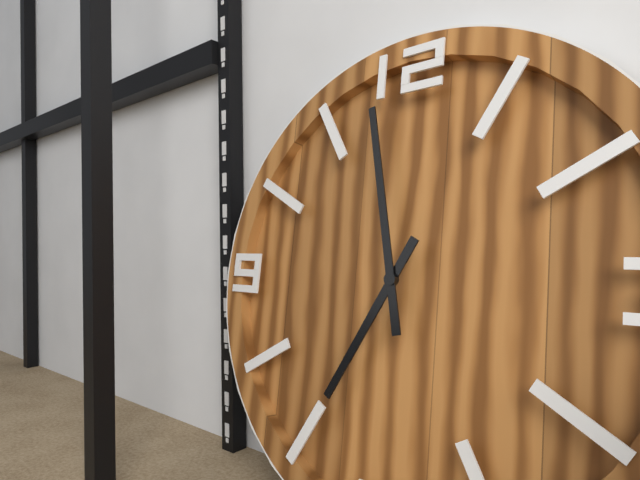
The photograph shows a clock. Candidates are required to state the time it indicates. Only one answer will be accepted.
6:58
